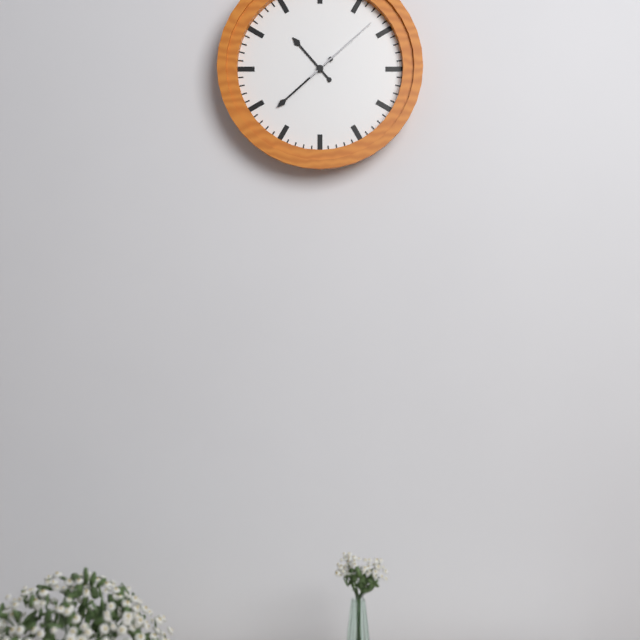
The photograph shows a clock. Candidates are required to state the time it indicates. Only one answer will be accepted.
10:38:08
